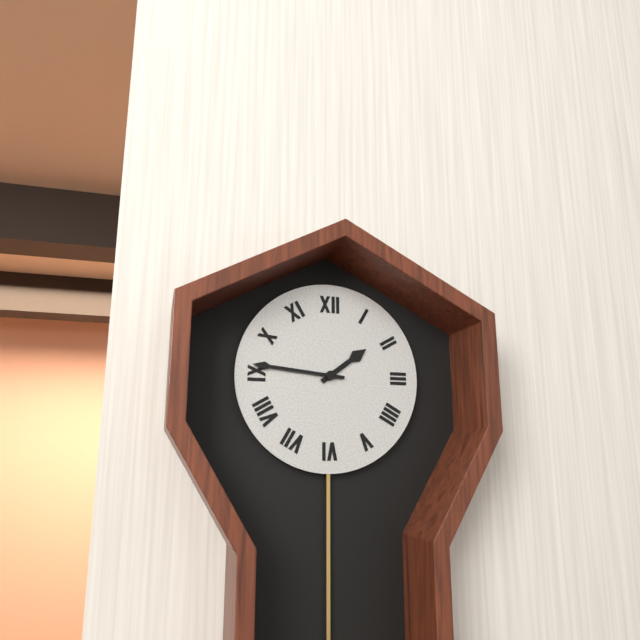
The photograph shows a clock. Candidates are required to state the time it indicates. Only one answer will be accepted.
1:46
